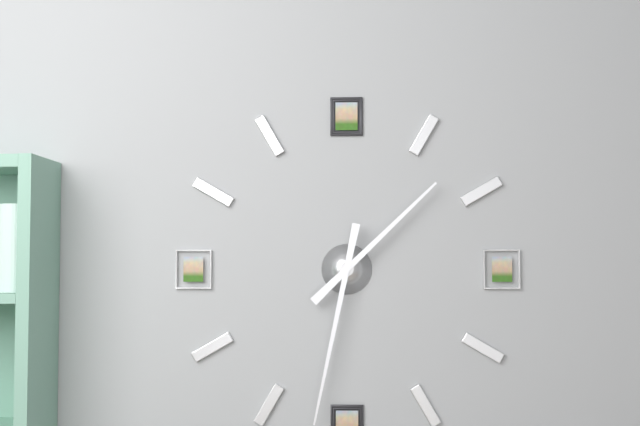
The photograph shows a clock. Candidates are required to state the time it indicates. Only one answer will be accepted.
1:32
